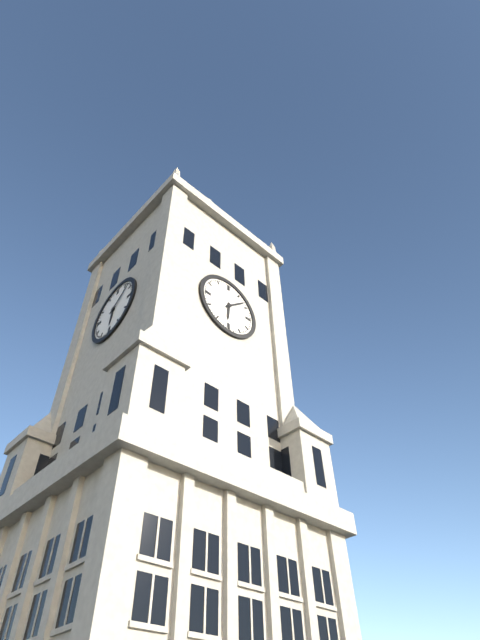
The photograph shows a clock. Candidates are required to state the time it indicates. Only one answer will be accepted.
6:08
